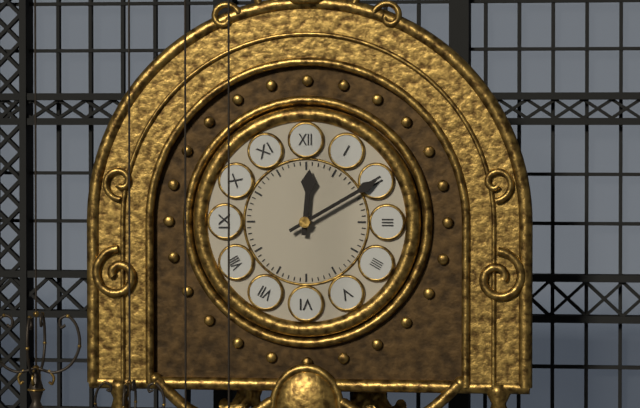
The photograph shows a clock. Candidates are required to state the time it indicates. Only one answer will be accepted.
12:10
